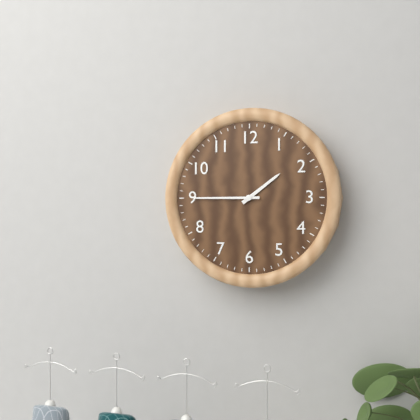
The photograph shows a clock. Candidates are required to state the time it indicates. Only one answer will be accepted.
1:45
